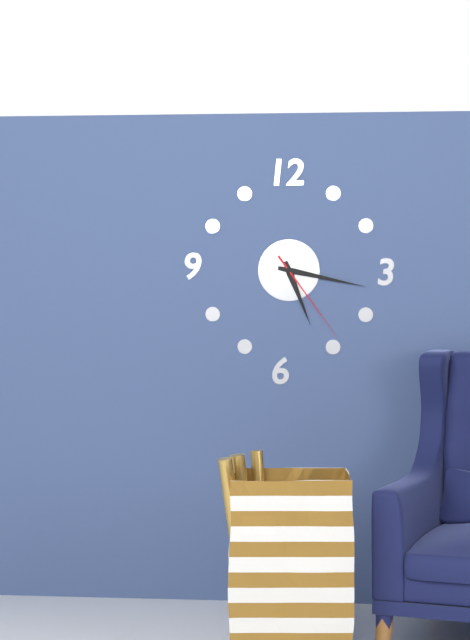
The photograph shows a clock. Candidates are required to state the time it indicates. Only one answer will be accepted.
5:17:24
